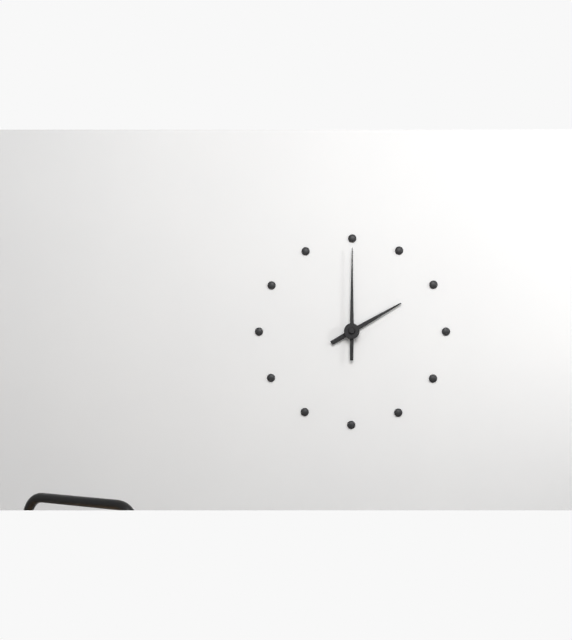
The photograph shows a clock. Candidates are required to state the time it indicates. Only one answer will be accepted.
2:00
